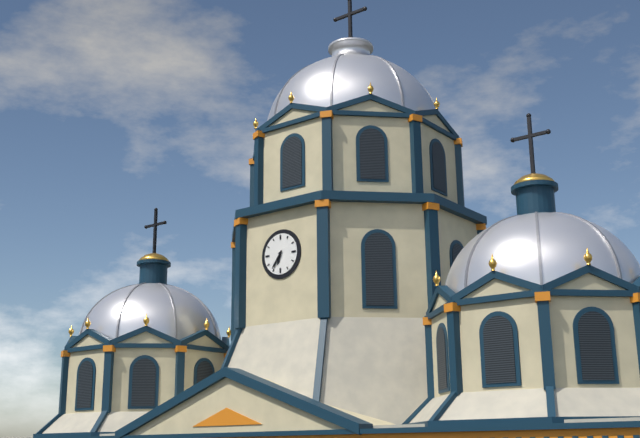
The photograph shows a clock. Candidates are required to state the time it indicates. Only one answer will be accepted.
6:36
